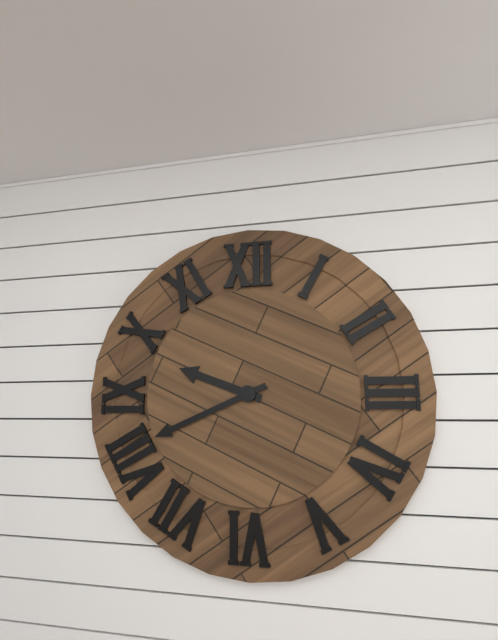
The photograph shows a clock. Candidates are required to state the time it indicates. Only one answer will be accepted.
9:41
